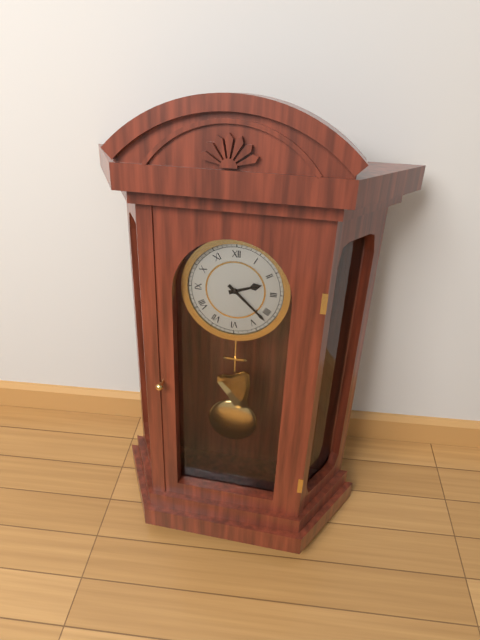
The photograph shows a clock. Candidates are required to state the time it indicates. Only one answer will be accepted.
2:22
